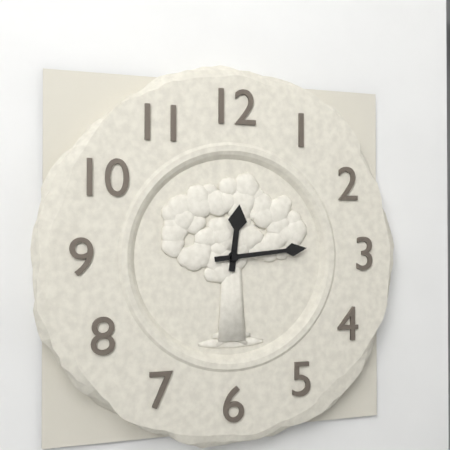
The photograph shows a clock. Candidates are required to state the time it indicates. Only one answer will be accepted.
12:14
